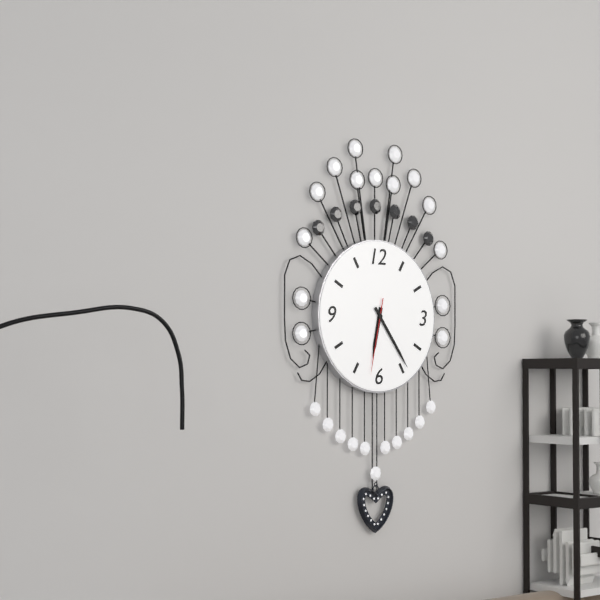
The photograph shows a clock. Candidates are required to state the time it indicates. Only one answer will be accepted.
6:24:32
